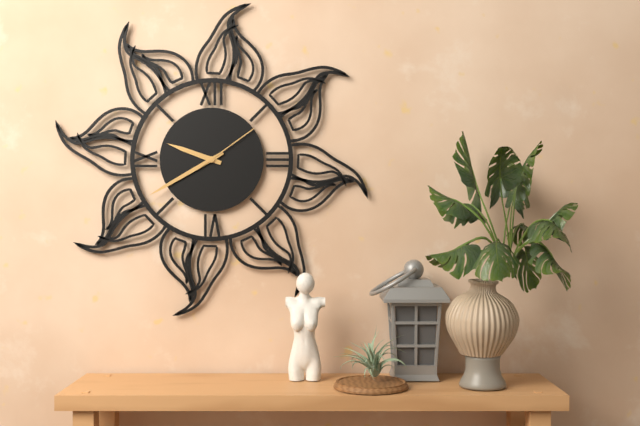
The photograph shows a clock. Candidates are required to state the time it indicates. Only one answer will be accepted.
9:40:09
